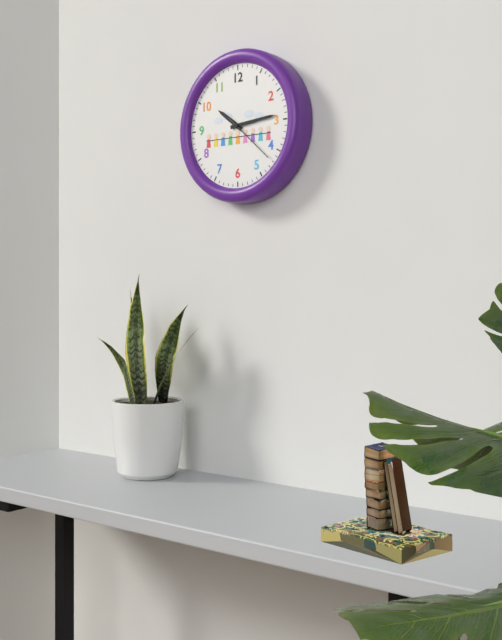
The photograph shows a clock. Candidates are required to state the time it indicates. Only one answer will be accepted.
10:14:22
